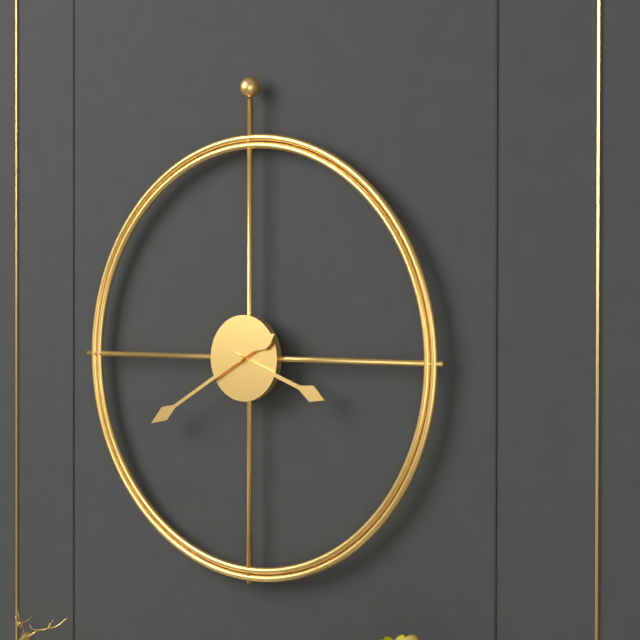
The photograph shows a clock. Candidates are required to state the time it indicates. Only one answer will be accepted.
3:40
